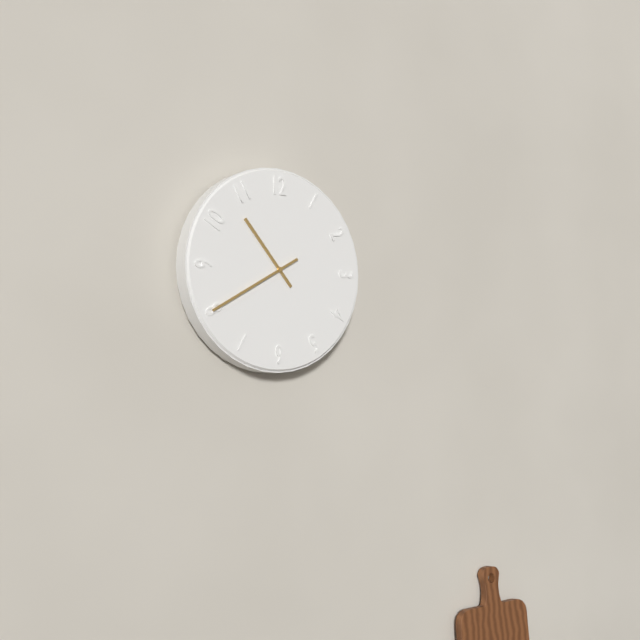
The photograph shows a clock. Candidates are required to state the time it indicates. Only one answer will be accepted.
10:40
